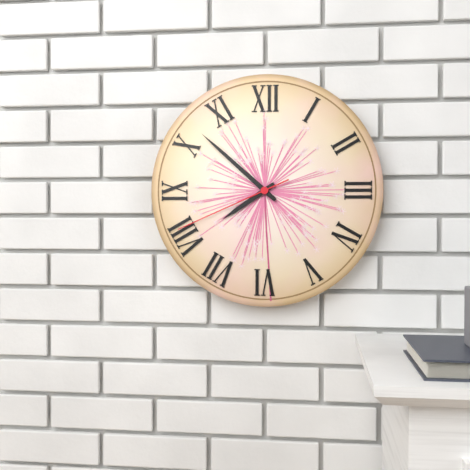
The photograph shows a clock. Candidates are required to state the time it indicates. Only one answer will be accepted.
7:52:41
